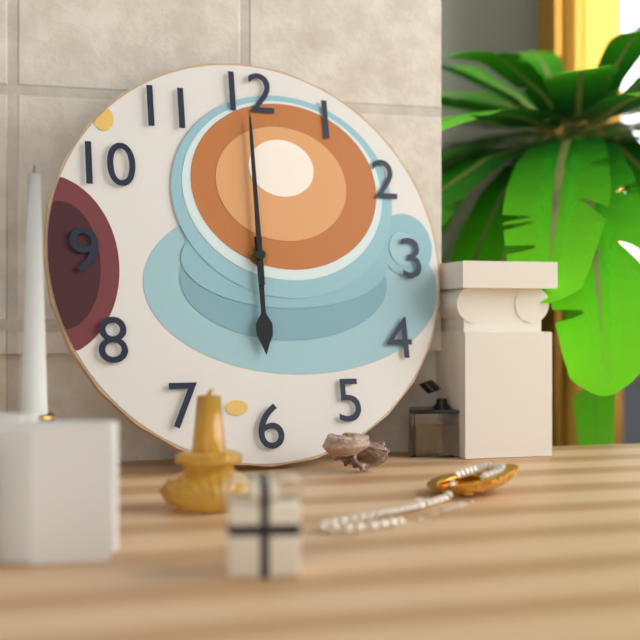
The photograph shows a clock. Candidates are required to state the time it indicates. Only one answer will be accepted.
6:00
